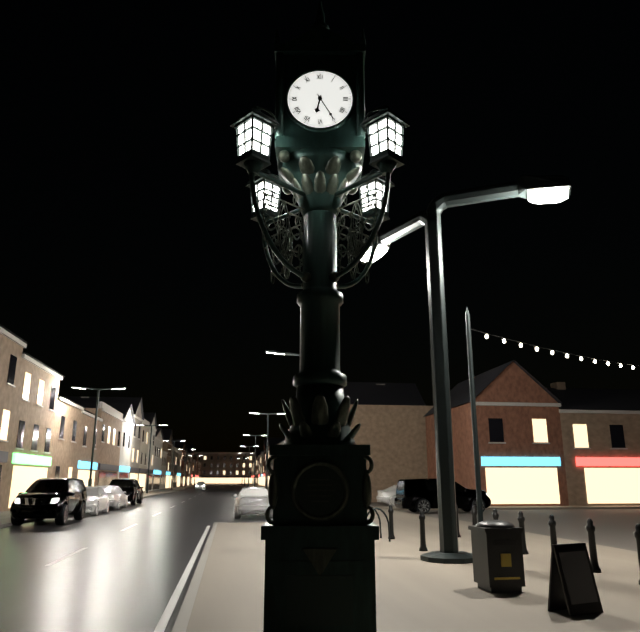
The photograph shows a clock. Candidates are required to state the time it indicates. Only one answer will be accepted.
6:25
